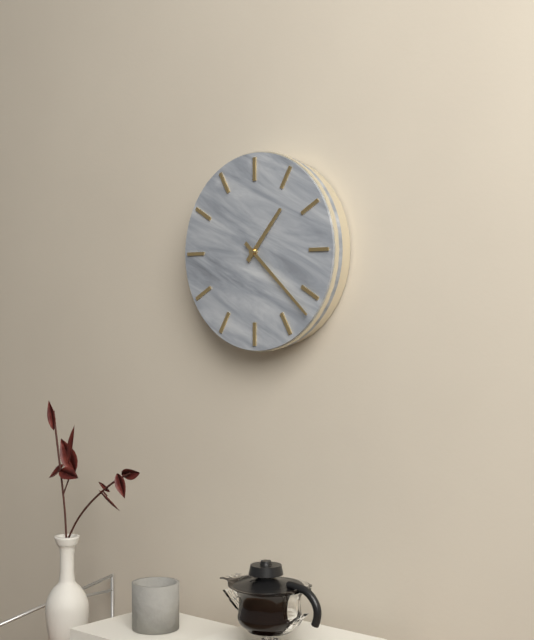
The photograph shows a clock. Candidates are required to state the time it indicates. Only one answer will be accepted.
1:22
